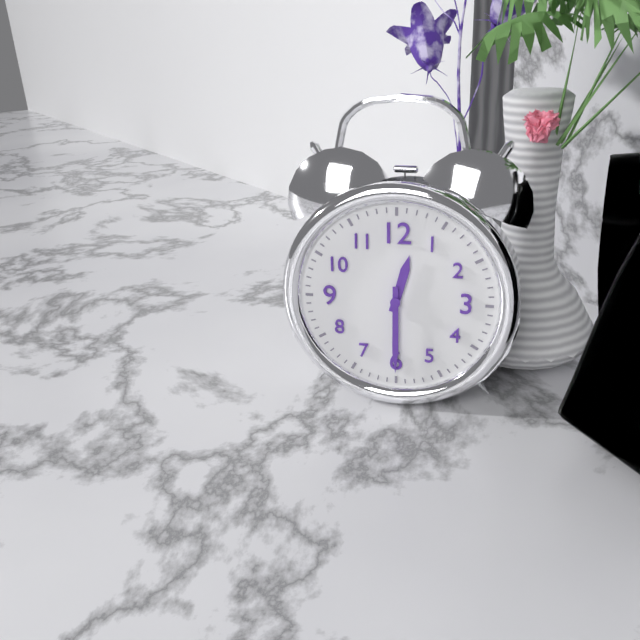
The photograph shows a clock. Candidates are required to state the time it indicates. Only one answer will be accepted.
12:30
